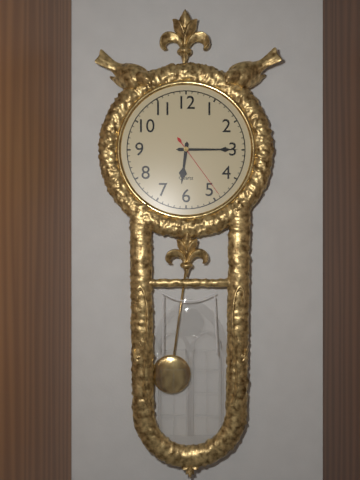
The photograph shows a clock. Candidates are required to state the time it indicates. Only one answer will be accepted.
6:15:24
